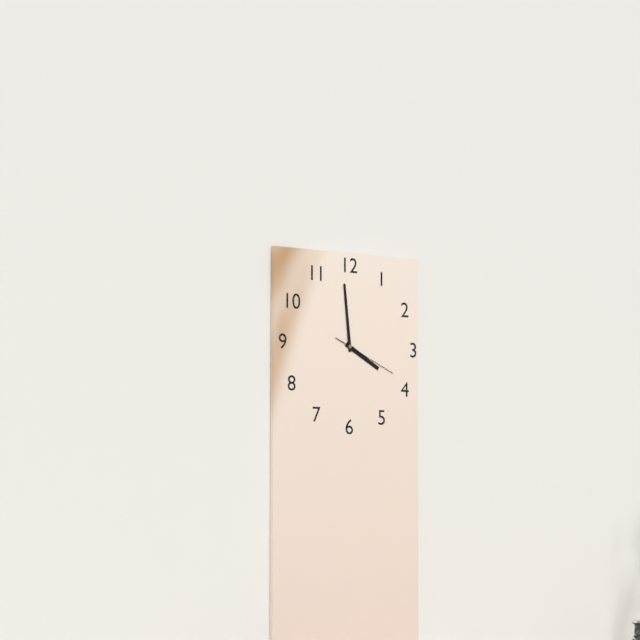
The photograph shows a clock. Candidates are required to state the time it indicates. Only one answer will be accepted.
3:59:19
